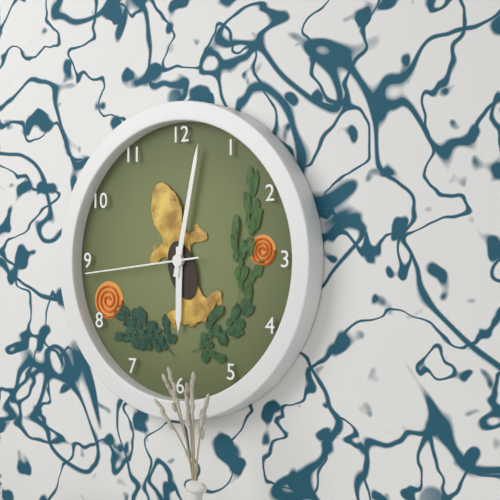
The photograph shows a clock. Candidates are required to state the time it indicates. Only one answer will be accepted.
6:02:44
